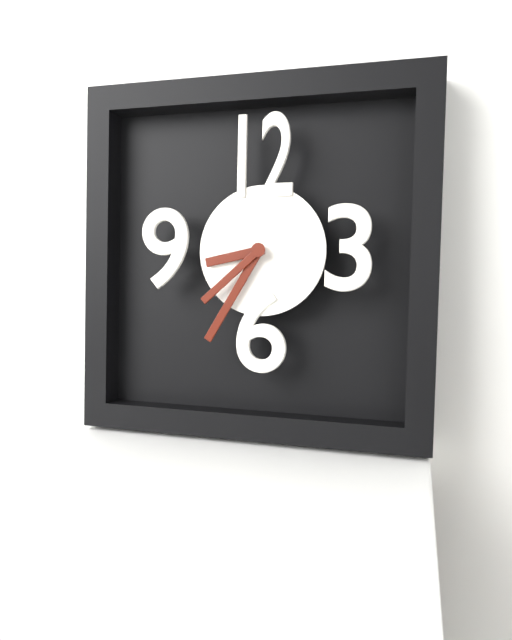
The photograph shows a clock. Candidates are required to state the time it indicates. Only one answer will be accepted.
8:35:38
